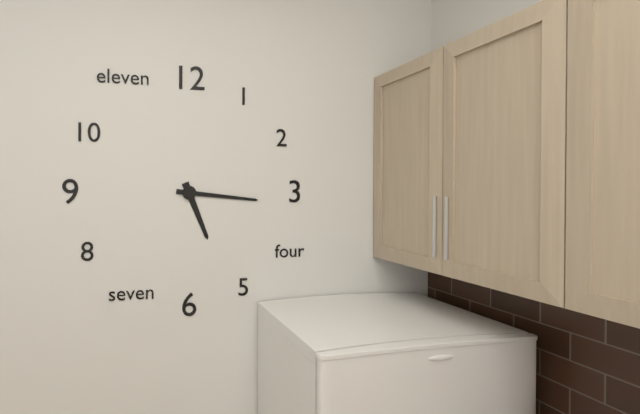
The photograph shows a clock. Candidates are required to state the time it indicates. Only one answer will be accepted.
5:16
